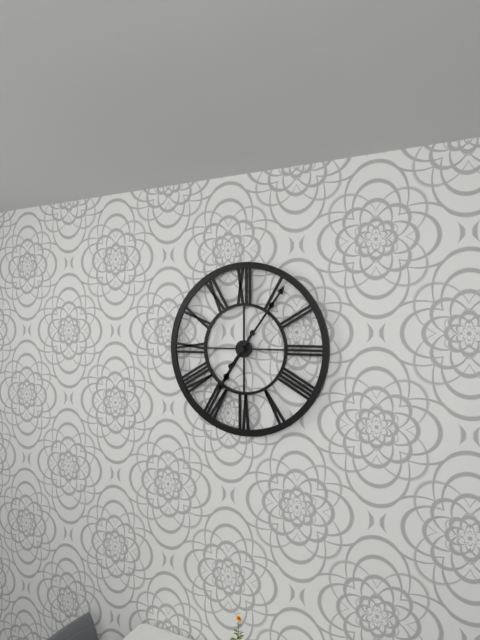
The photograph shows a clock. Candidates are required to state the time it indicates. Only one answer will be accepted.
7:06
